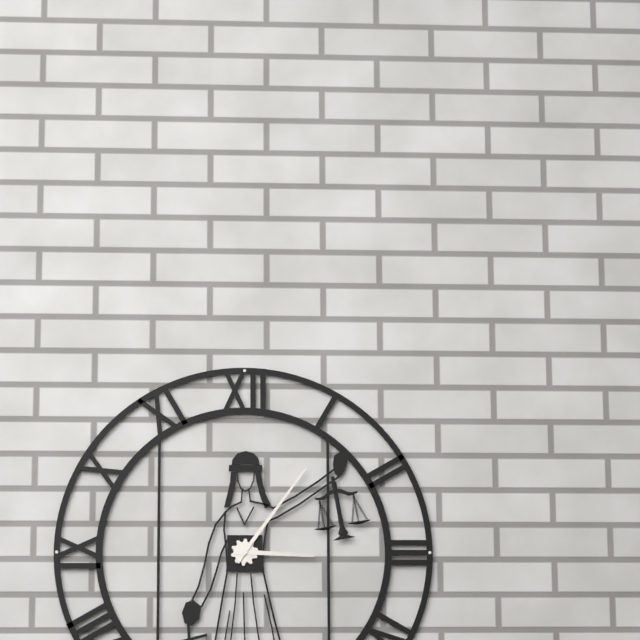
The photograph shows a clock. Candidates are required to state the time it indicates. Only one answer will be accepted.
3:06
